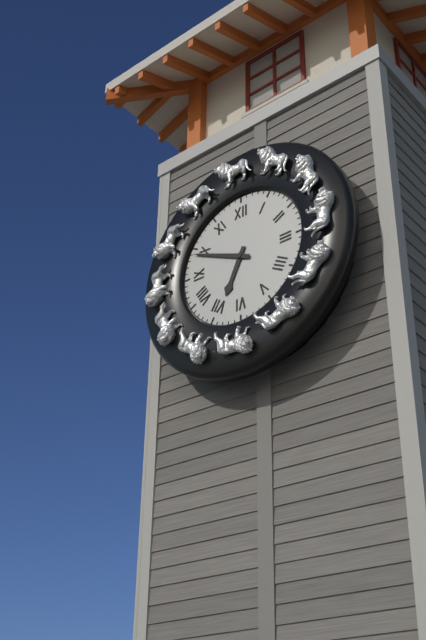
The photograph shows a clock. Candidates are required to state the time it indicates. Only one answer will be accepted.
6:49
